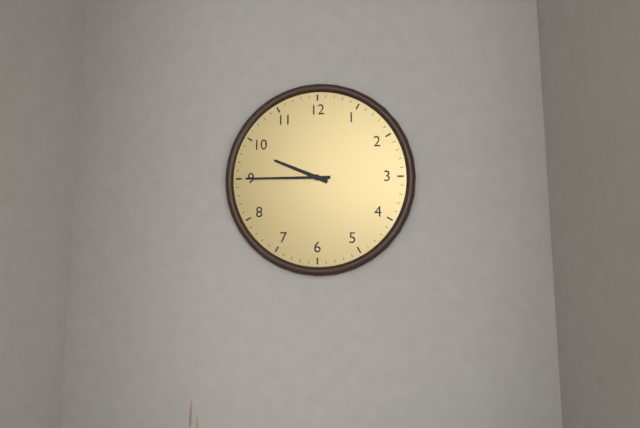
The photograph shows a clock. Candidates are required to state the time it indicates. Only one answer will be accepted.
9:45
